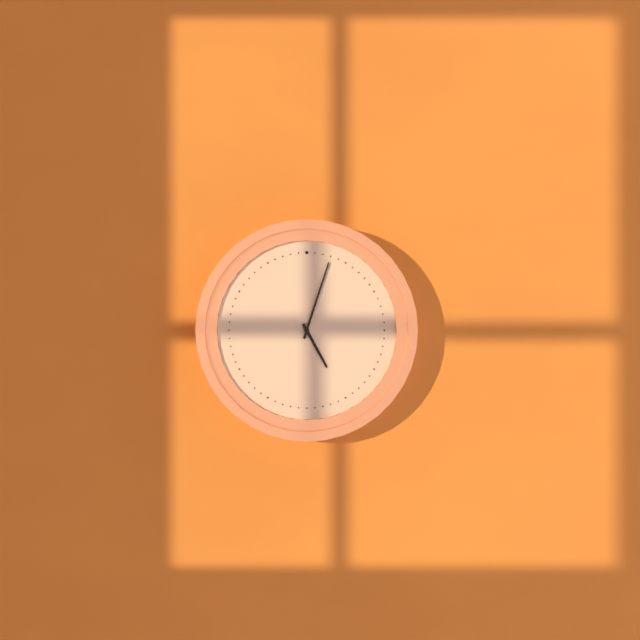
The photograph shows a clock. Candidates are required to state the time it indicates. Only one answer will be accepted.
5:03
